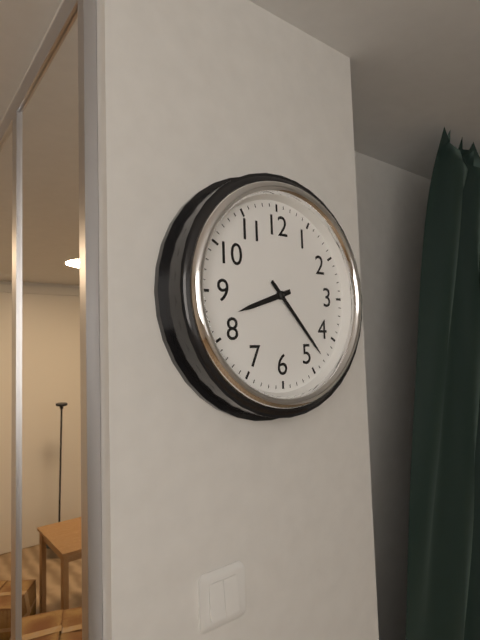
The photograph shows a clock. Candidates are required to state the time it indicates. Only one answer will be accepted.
8:23
